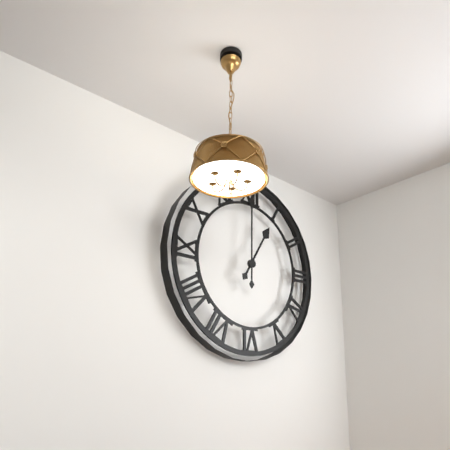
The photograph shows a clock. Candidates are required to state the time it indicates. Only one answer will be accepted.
1:00
